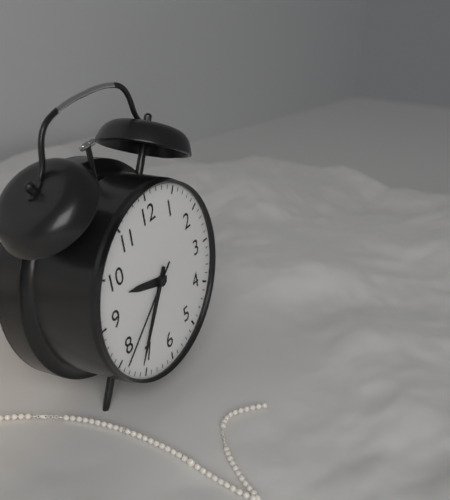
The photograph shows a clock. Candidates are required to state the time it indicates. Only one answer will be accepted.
9:36:39
